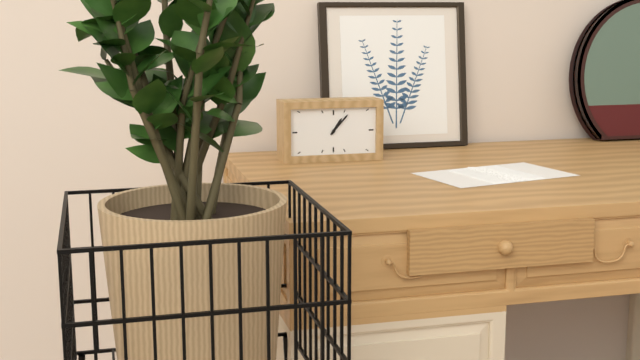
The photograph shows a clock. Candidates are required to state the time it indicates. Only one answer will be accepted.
1:07
